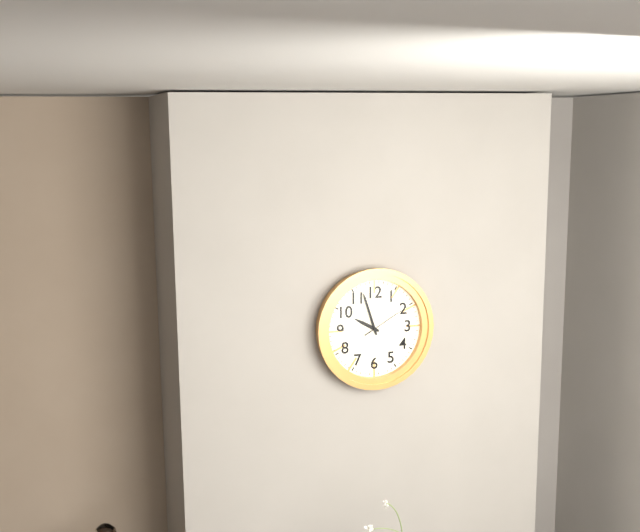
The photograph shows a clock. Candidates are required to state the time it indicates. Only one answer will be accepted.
9:57:10
